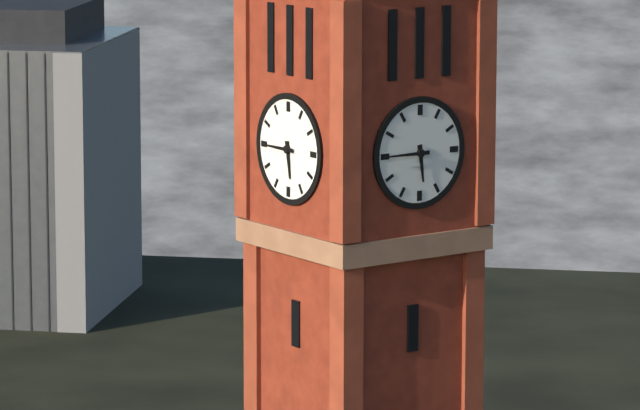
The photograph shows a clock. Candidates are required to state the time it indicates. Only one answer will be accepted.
5:45
